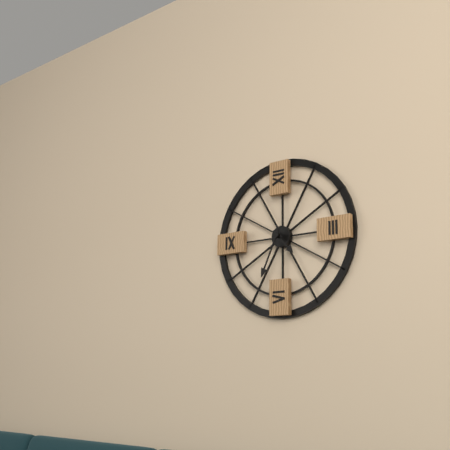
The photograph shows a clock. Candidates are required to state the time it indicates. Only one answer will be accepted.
4:34
